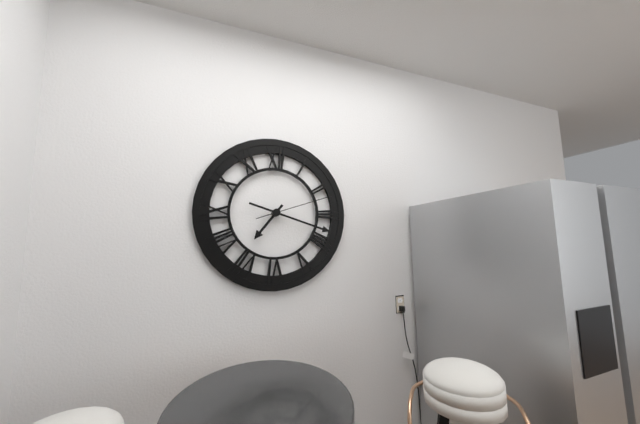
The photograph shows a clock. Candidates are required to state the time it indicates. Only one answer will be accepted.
7:18:12
